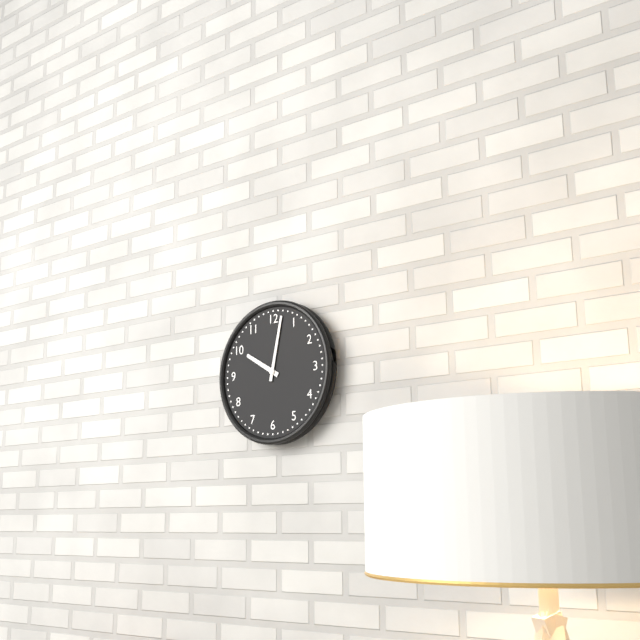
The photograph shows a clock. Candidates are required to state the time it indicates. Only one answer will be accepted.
10:02
